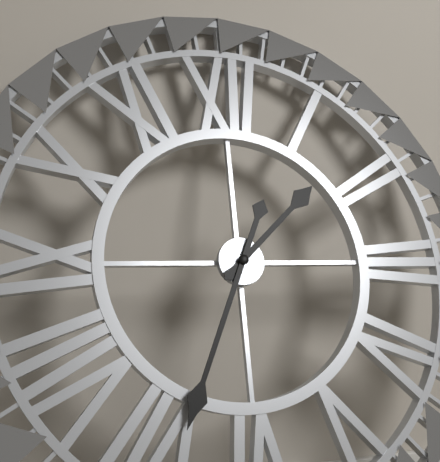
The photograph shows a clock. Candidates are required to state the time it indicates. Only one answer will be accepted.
1:34
